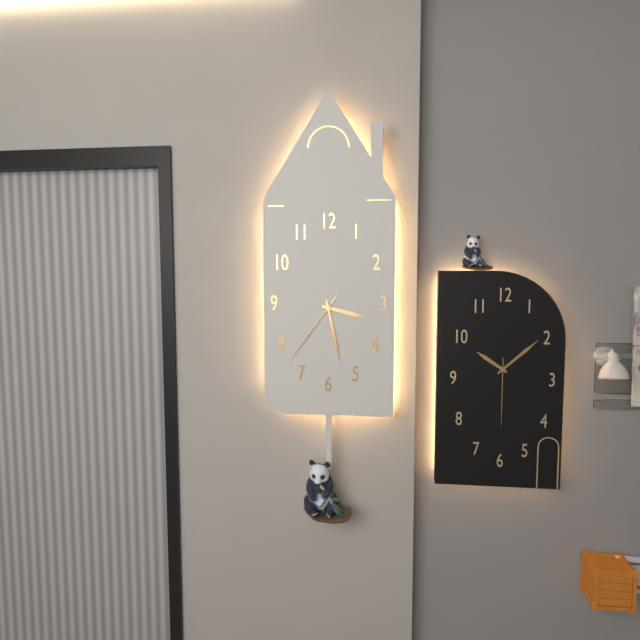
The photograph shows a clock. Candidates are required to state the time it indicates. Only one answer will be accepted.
3:28:36
